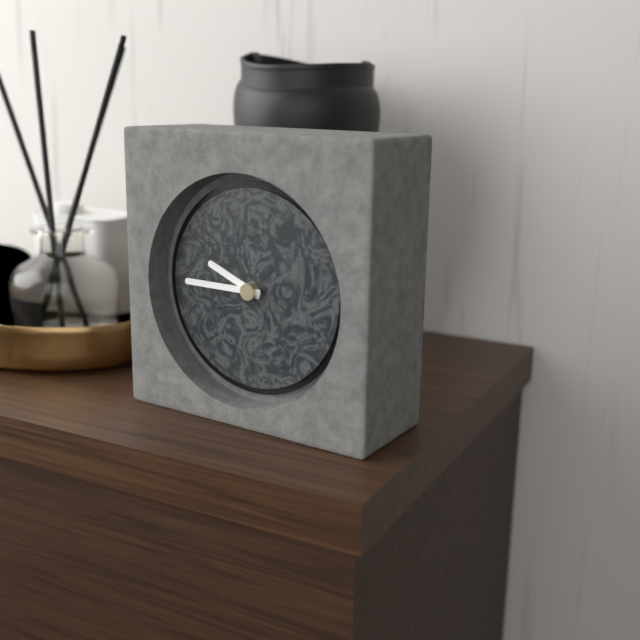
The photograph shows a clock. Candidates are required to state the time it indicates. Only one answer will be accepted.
9:45
